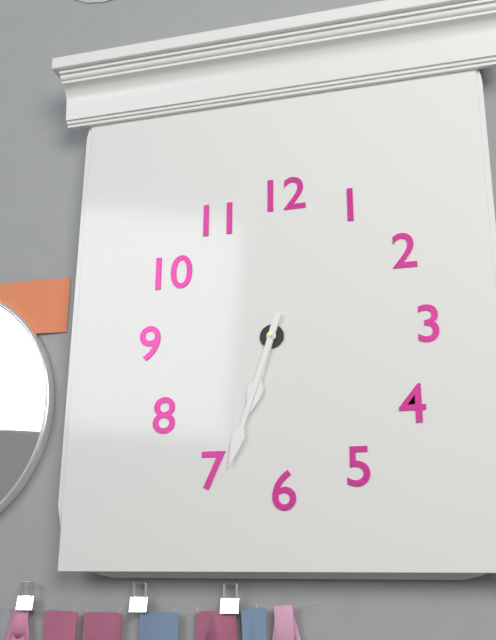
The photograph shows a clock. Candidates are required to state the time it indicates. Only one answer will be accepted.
6:33
